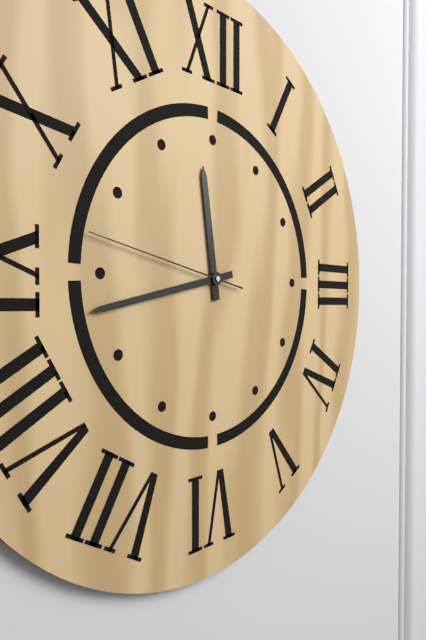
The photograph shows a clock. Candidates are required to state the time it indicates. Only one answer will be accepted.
11:43:47
